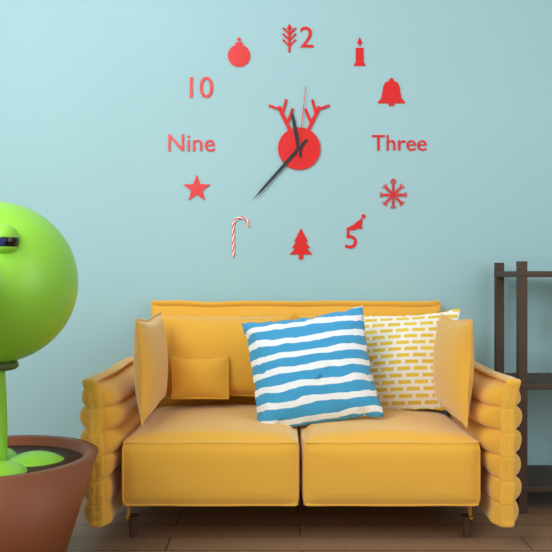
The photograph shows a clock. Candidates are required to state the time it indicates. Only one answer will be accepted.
11:37:01
